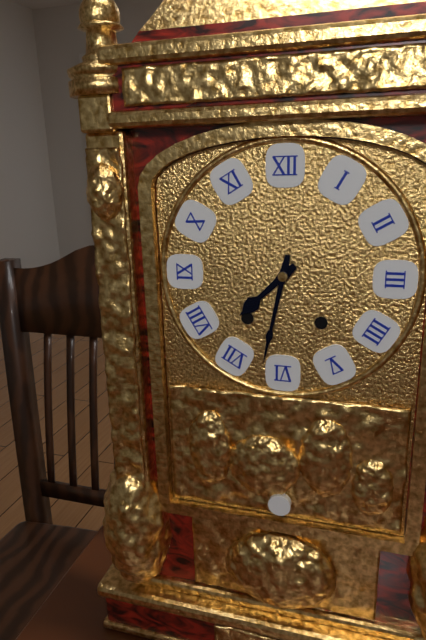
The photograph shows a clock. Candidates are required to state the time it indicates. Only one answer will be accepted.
7:32
